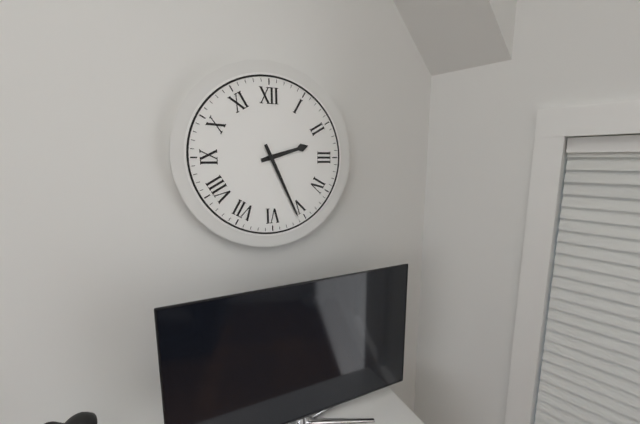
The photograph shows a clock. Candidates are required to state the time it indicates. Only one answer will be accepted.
2:26
